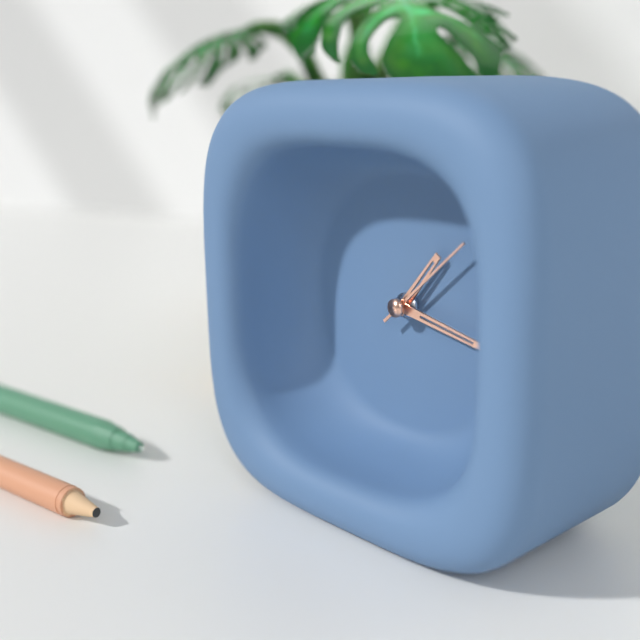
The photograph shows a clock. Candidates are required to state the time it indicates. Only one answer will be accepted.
1:17:08
